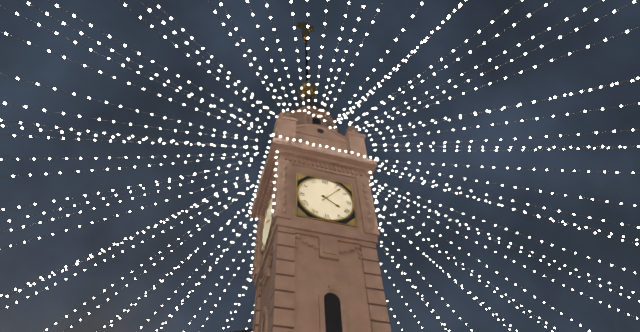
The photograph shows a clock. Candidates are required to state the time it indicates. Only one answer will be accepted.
4:07
